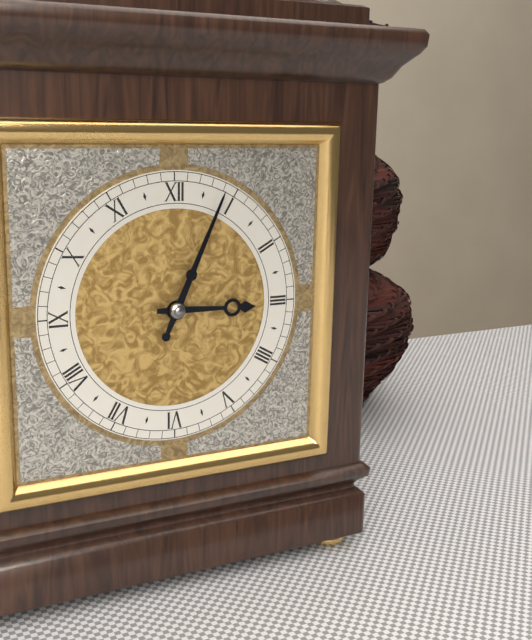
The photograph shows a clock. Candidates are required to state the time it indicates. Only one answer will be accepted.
3:04
